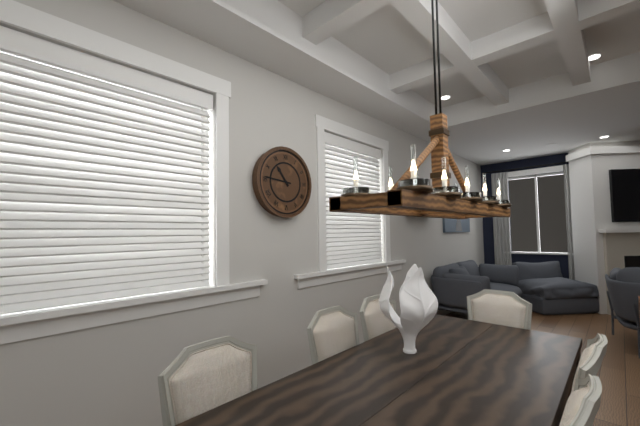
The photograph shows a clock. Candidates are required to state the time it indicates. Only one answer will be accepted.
10:46
